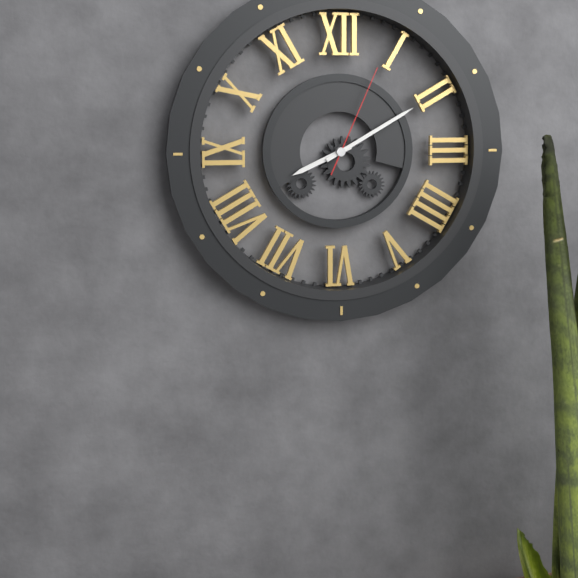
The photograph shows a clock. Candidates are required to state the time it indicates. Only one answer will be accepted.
8:10:04
